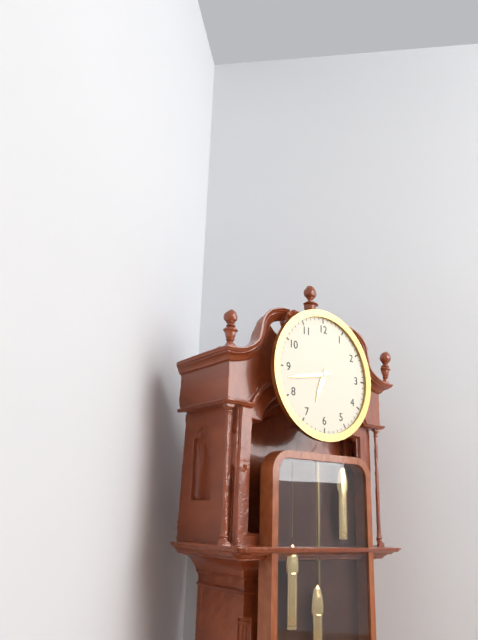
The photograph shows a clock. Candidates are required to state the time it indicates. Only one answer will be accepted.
6:43
